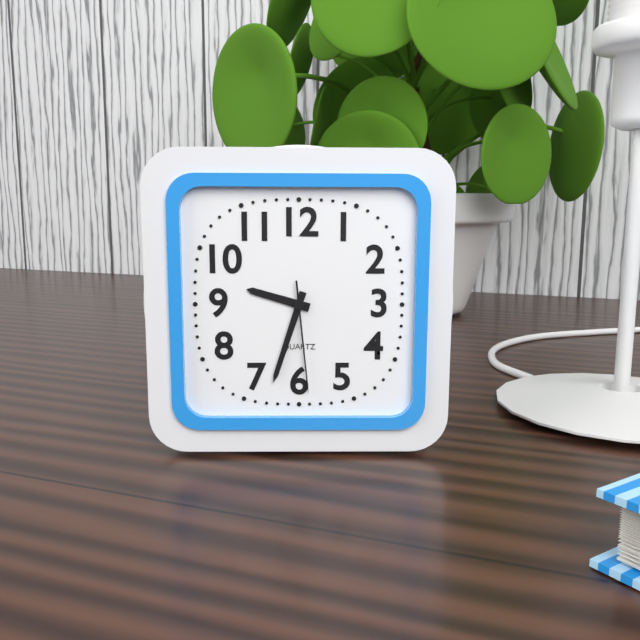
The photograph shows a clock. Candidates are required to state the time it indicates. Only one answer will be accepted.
9:33:29
